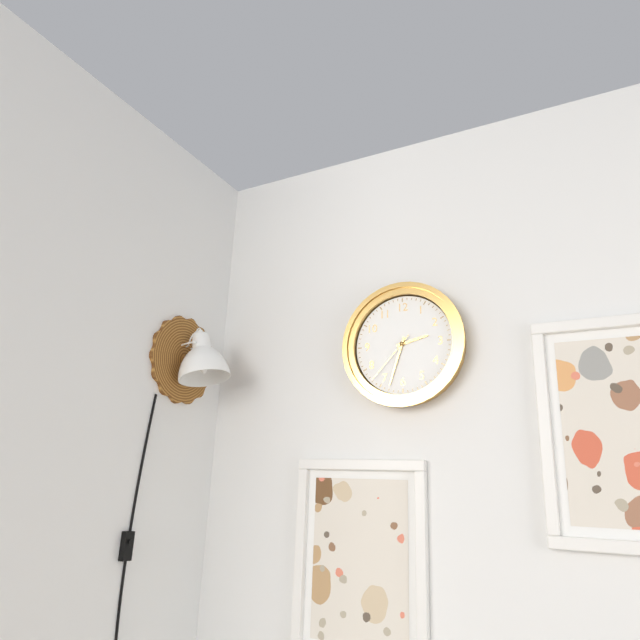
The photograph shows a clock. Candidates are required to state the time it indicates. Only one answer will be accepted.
2:33:37
